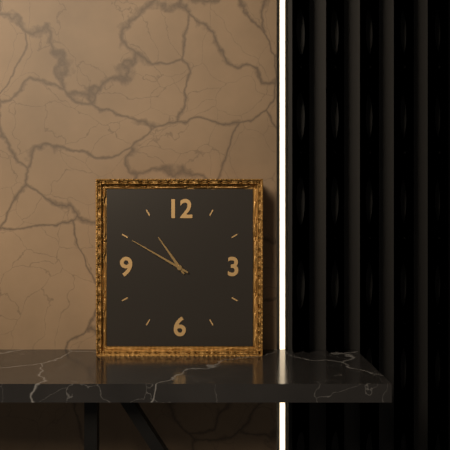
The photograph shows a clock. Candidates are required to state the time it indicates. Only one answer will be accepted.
10:50
